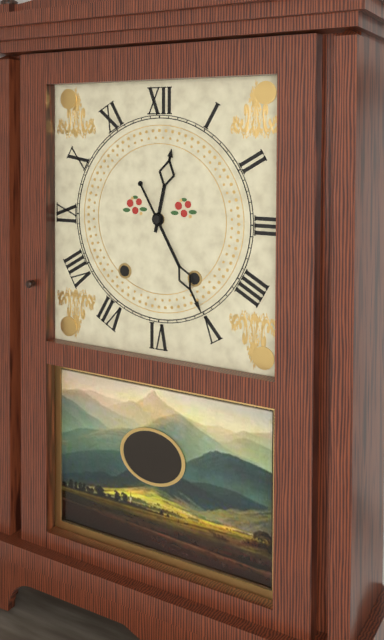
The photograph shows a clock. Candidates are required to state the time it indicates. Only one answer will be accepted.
12:25
